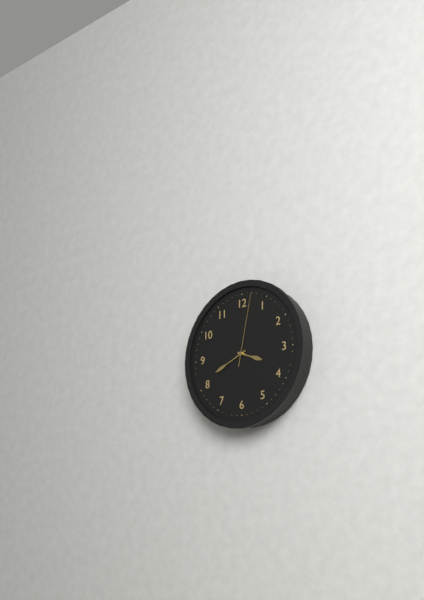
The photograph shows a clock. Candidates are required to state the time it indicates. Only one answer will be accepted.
3:41:02
